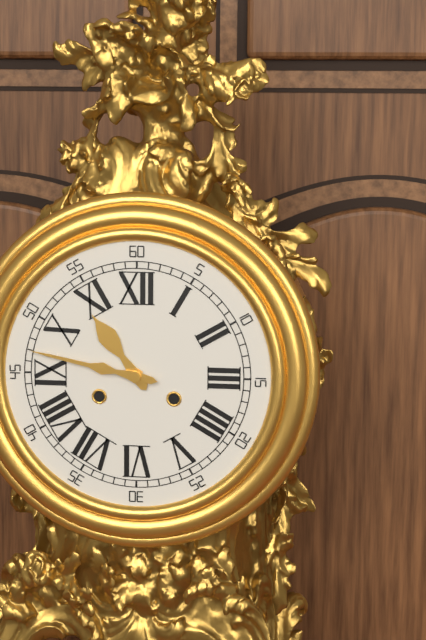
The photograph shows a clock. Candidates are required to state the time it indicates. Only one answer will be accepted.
10:47
